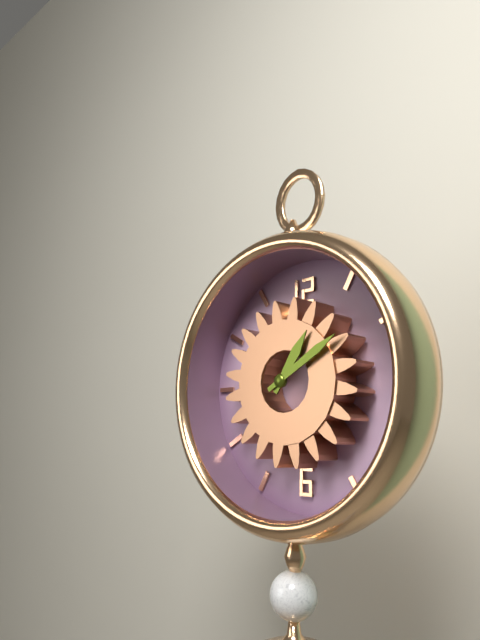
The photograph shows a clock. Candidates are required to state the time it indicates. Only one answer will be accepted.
1:10
